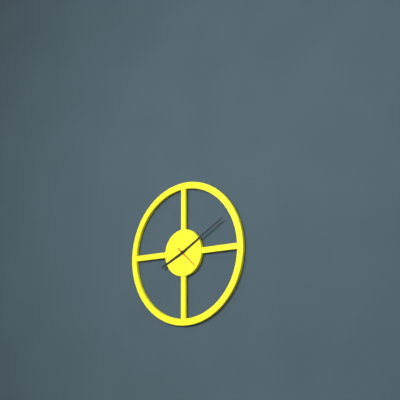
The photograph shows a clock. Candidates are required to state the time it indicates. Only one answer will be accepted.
8:10
